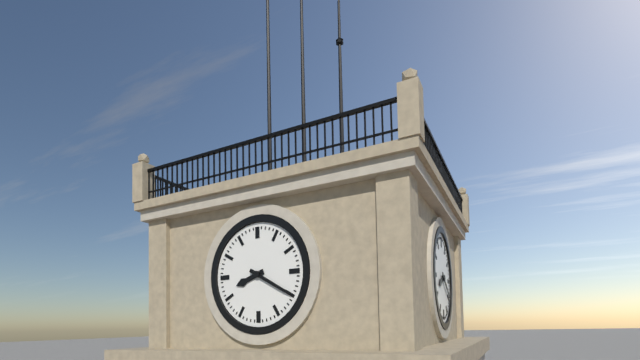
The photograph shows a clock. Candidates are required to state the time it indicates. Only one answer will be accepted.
8:20
